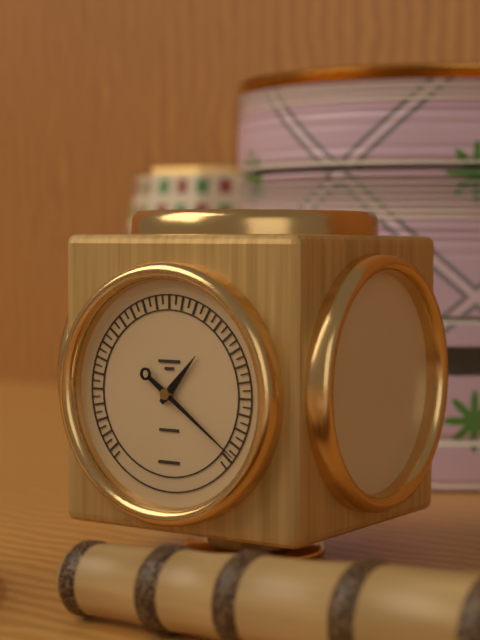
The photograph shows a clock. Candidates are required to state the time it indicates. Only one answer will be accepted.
1:21
